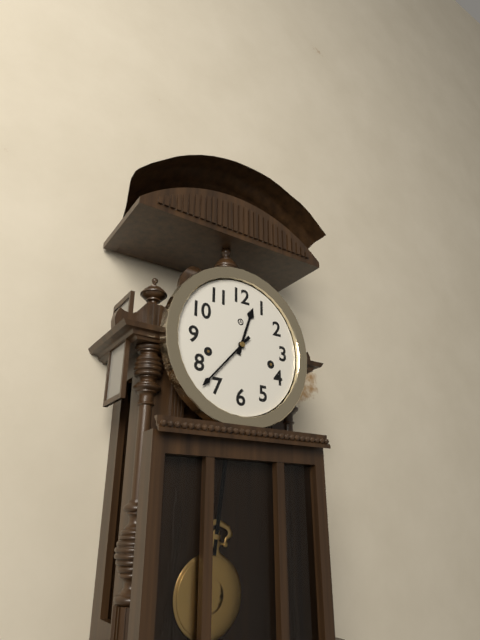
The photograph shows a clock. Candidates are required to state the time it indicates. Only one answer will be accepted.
12:37
